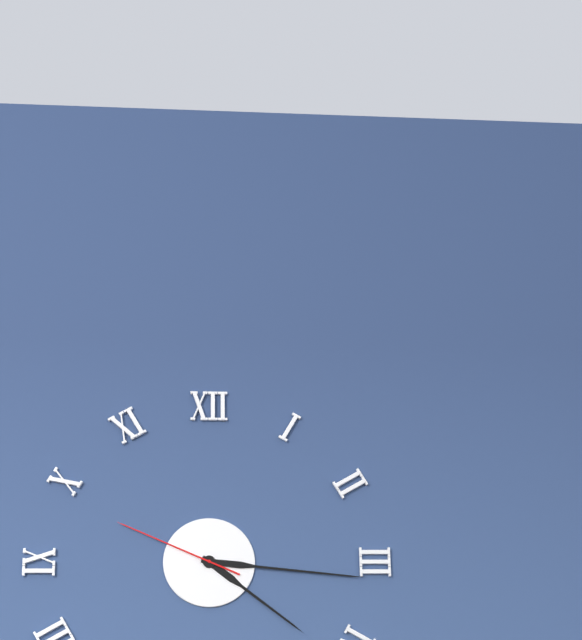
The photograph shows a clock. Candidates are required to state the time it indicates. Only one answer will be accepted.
4:16:49
